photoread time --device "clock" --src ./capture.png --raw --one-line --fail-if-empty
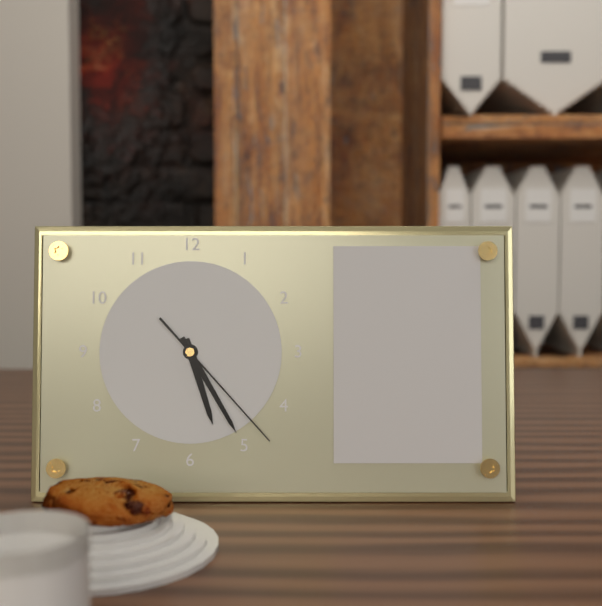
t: 5:25:23
